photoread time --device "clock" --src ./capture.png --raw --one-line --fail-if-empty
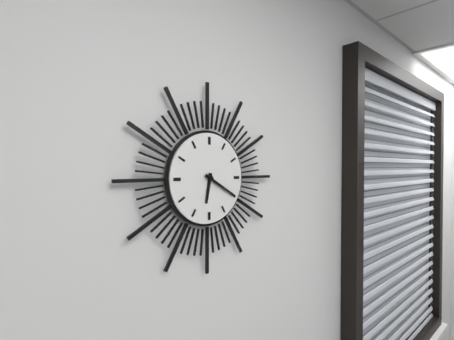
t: 6:20
